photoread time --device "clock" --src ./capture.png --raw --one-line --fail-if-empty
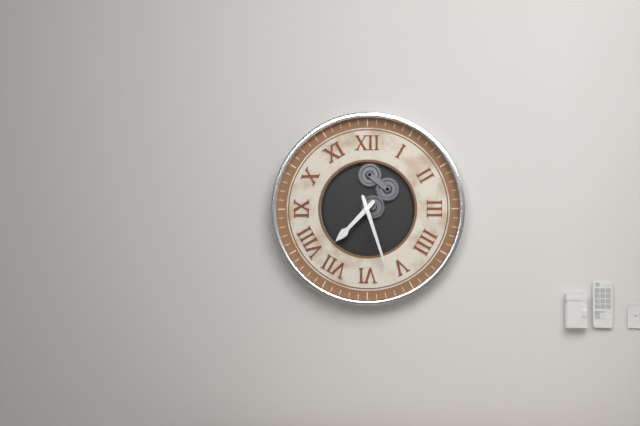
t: 7:27
